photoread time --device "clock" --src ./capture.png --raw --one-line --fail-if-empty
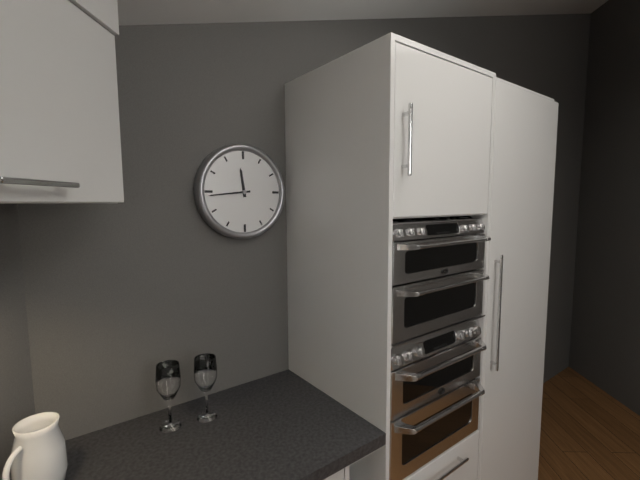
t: 11:44
